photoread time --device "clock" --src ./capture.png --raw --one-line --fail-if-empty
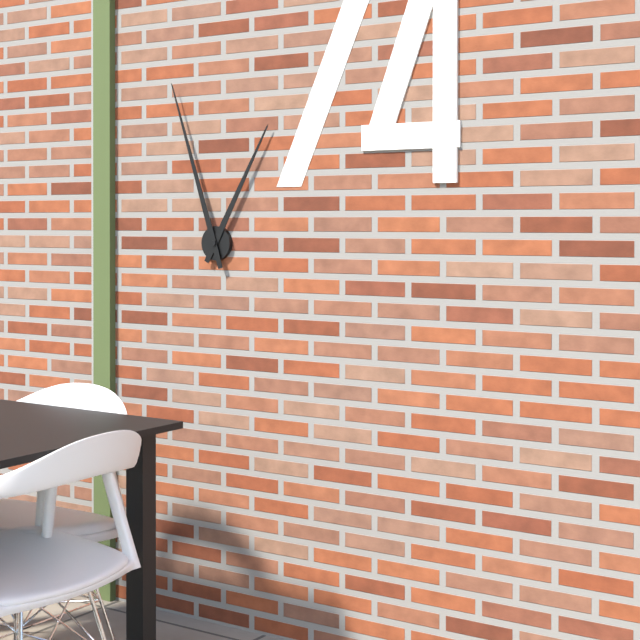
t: 12:57
